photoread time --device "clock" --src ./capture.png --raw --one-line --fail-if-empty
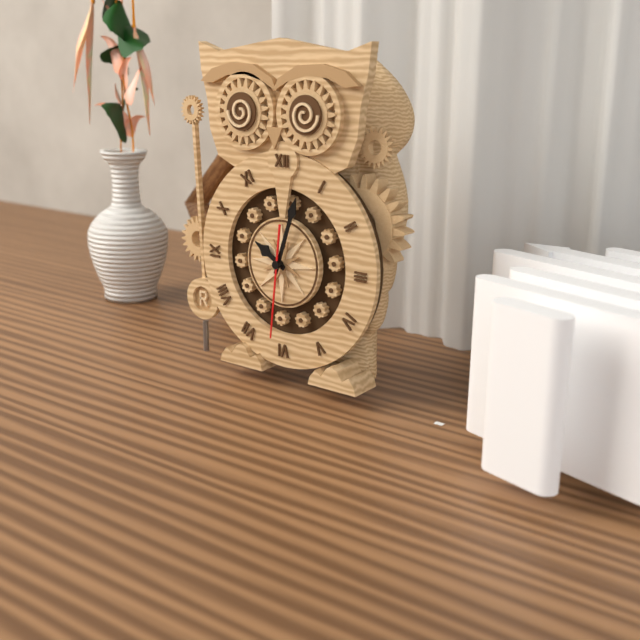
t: 10:03:31
